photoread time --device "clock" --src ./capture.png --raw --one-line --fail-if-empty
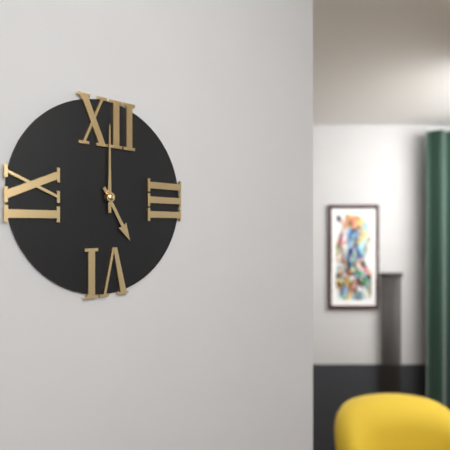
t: 5:00
